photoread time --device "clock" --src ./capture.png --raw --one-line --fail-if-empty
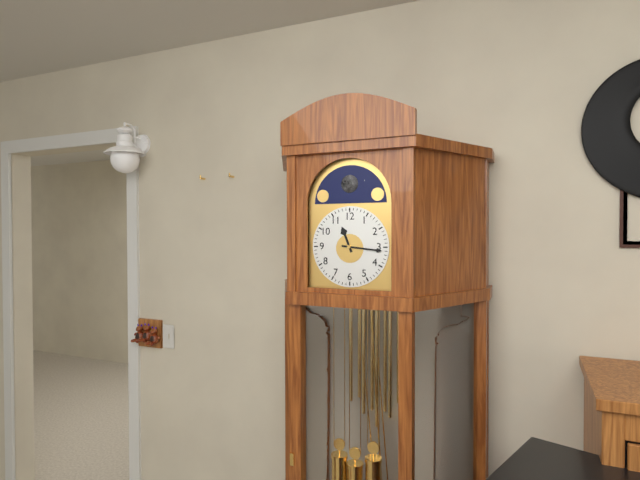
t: 11:16
